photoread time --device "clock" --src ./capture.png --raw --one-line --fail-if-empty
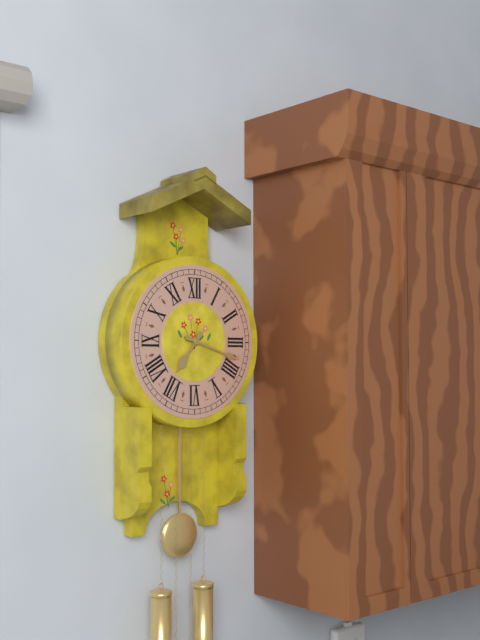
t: 7:18
